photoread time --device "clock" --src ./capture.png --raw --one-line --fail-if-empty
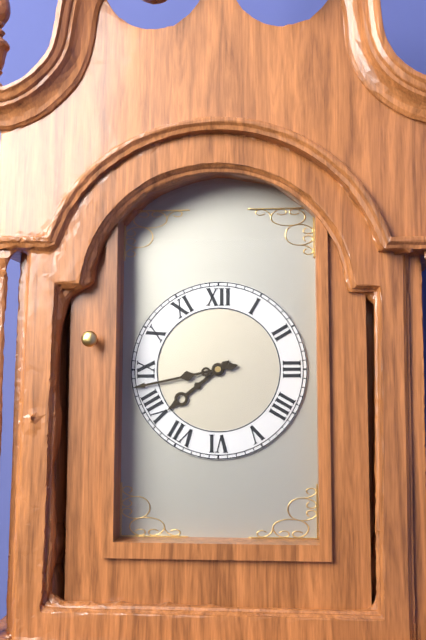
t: 7:43
